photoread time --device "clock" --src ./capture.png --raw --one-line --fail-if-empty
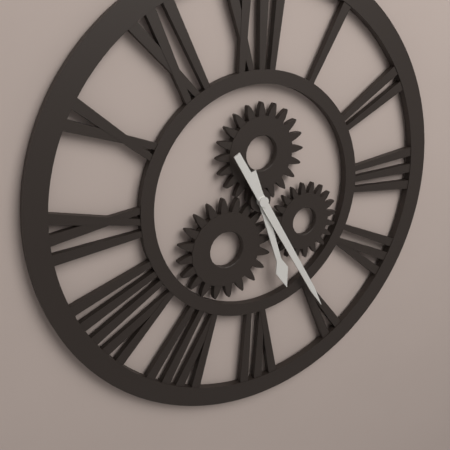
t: 5:25
